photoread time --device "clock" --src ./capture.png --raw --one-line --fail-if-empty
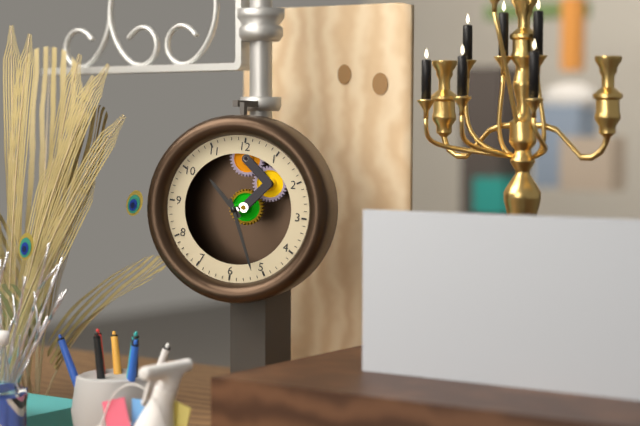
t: 10:26
